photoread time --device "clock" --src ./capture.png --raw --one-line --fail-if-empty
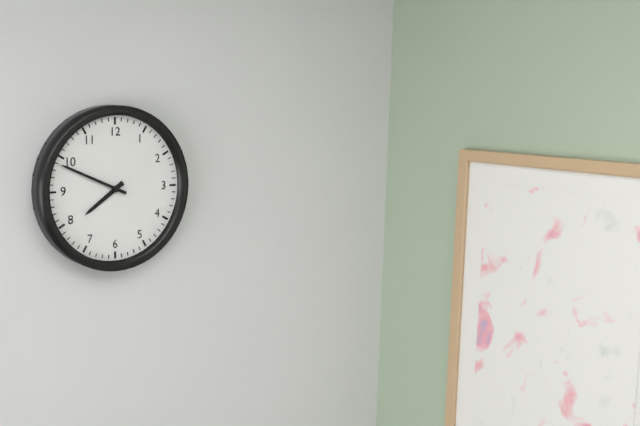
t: 7:49
